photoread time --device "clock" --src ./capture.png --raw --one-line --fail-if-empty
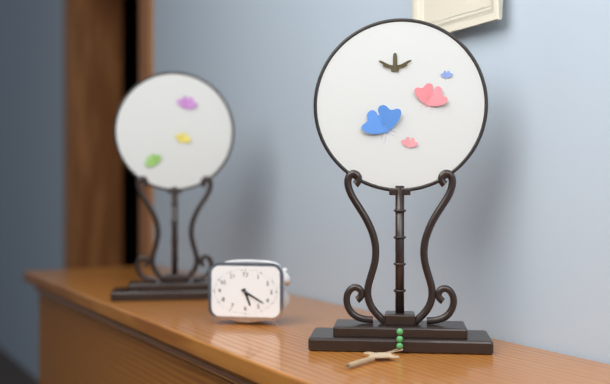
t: 5:20
